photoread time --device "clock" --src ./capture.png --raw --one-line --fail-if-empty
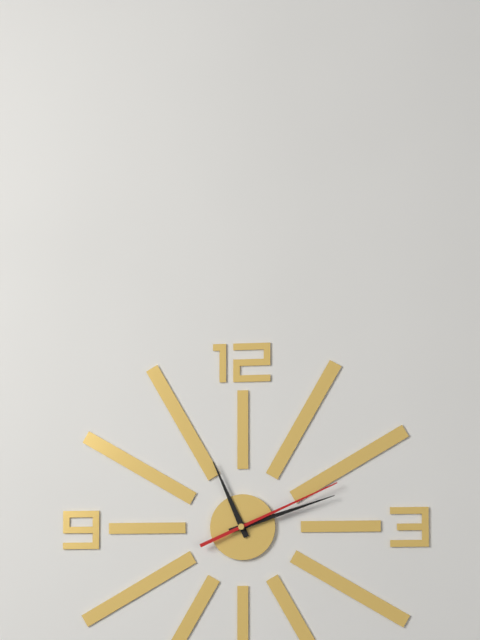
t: 11:12:11
